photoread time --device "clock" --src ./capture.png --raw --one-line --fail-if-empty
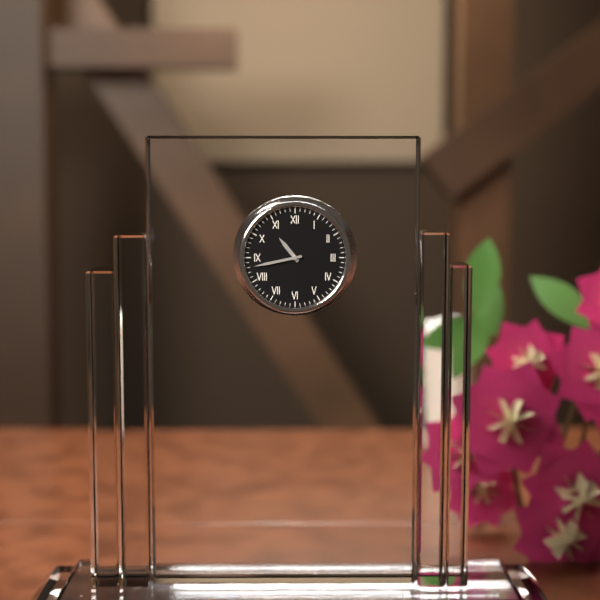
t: 10:43
